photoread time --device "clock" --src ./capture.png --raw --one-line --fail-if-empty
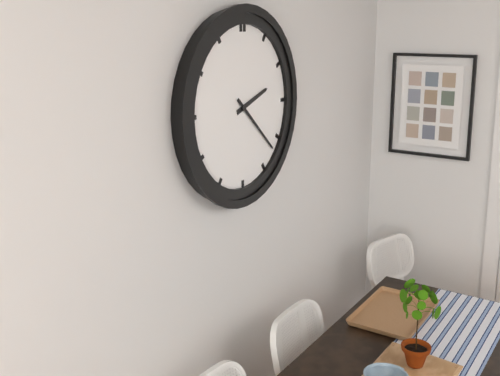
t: 2:22
